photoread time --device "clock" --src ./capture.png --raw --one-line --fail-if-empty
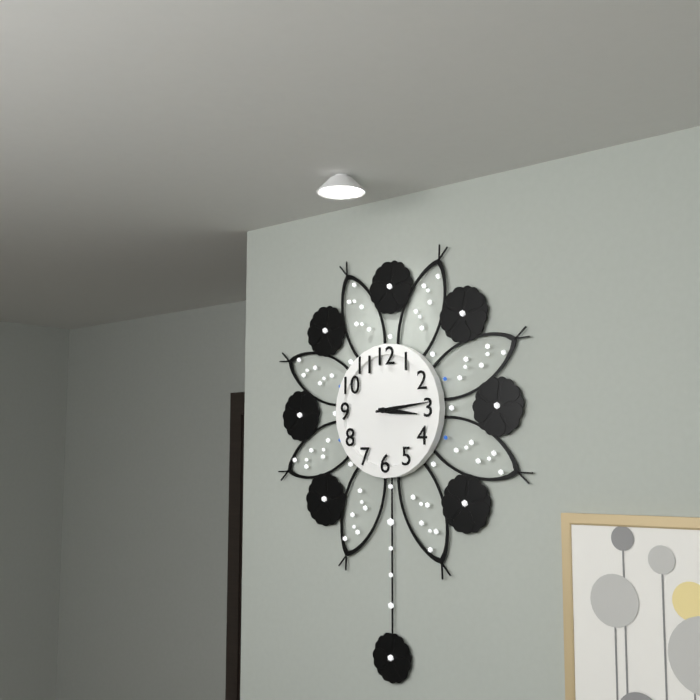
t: 3:14
